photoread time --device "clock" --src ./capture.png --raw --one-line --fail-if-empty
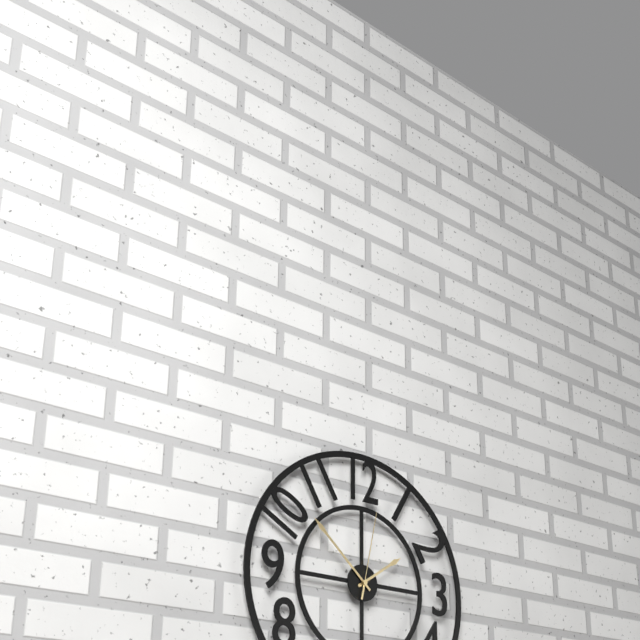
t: 1:52:02
